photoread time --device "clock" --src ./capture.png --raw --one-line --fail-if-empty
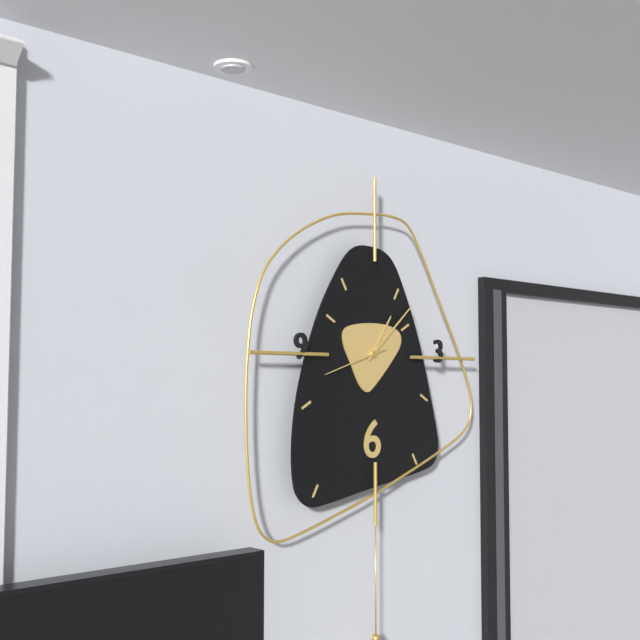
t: 1:08:42
